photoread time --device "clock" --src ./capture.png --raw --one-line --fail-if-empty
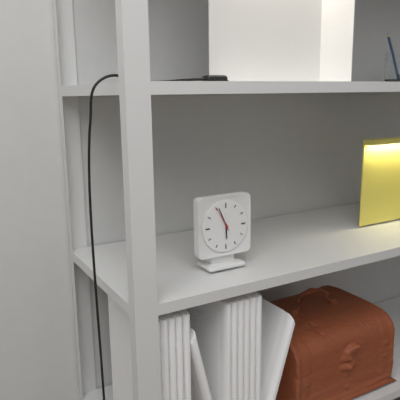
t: 5:56
